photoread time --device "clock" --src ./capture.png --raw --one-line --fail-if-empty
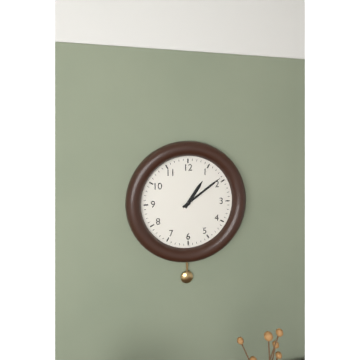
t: 1:09
